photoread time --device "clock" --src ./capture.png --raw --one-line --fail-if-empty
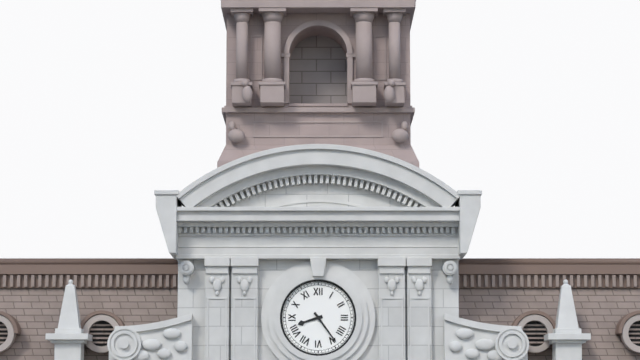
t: 8:24
